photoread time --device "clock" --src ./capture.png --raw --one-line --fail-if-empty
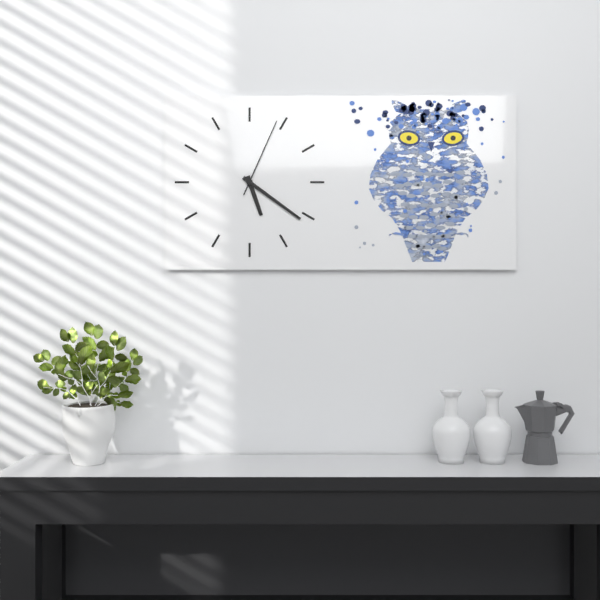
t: 5:21:04
